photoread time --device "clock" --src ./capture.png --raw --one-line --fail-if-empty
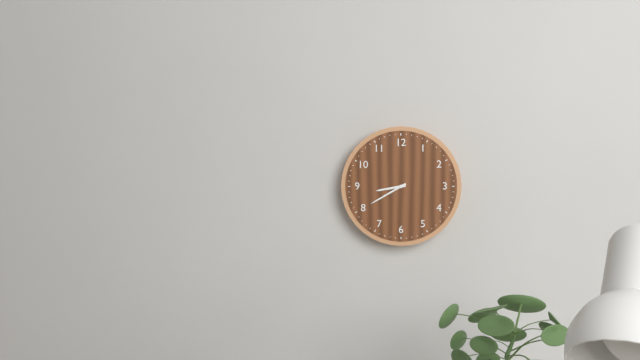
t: 8:40
